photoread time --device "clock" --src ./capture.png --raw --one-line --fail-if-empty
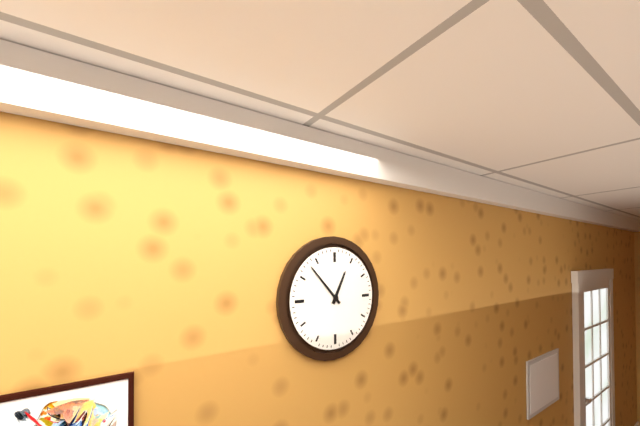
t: 12:53
